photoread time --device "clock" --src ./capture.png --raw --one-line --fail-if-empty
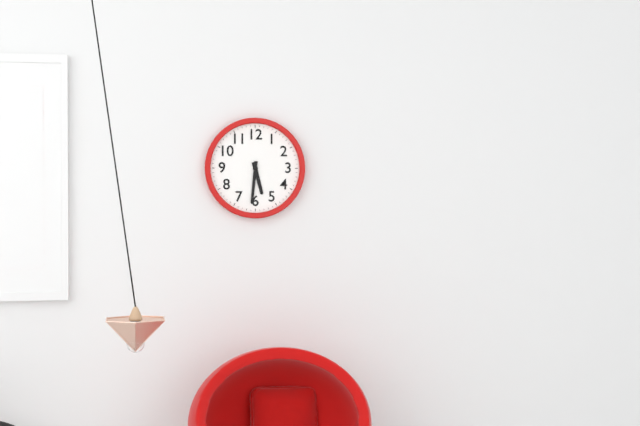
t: 5:31
